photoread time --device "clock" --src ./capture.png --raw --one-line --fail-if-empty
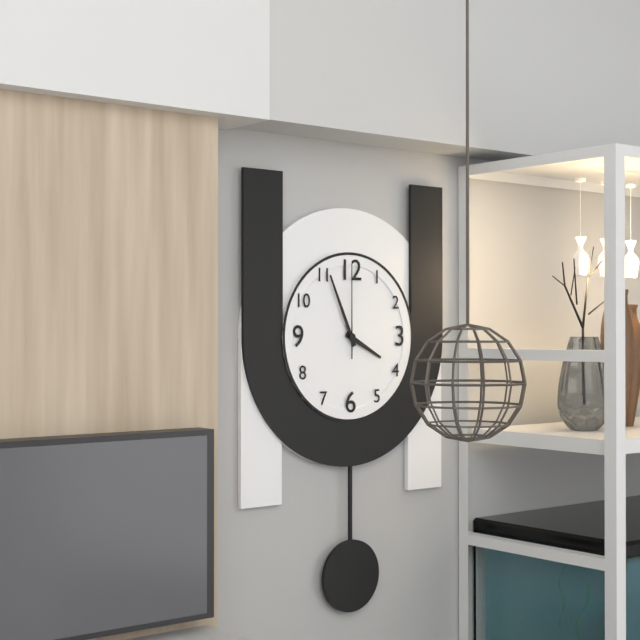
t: 3:56:00
